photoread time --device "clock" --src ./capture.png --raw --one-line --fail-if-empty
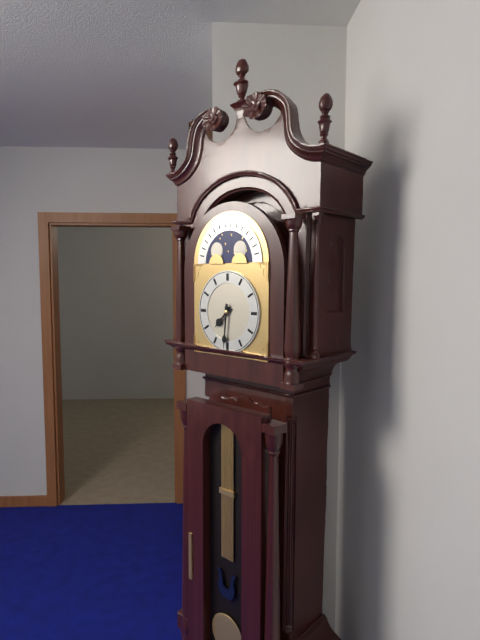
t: 7:31
